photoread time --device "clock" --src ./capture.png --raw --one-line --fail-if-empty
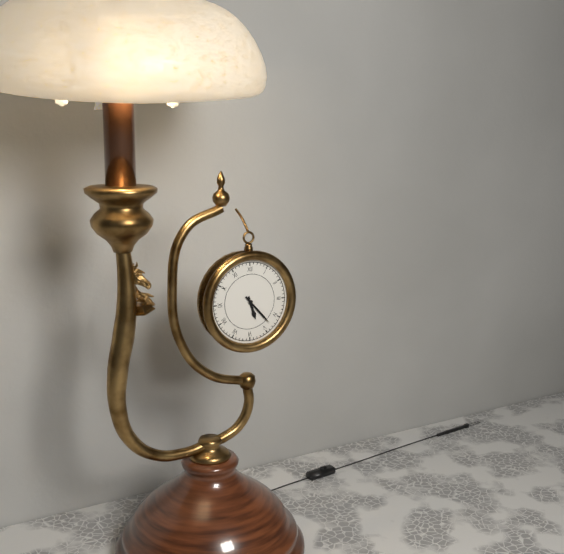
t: 5:23
